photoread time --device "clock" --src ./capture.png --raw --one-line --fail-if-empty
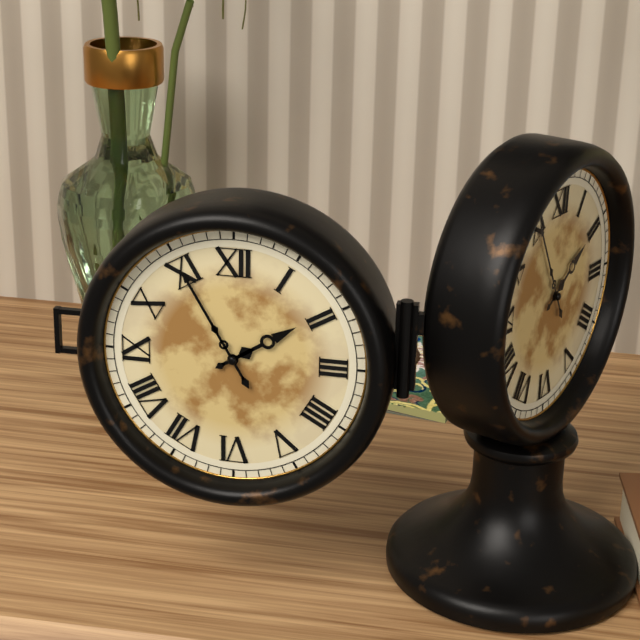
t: 1:55
